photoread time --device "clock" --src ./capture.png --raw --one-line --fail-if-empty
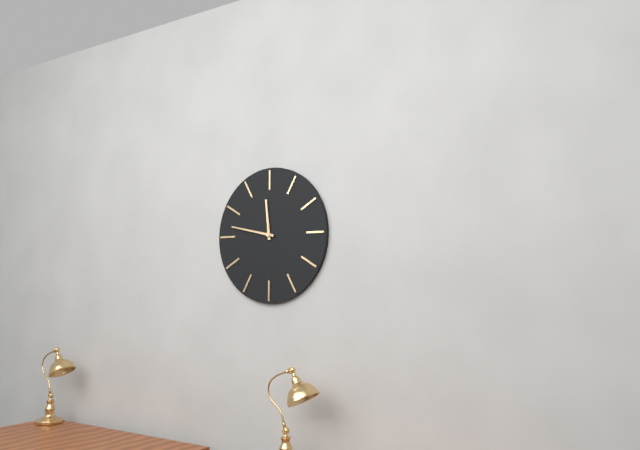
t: 11:47
